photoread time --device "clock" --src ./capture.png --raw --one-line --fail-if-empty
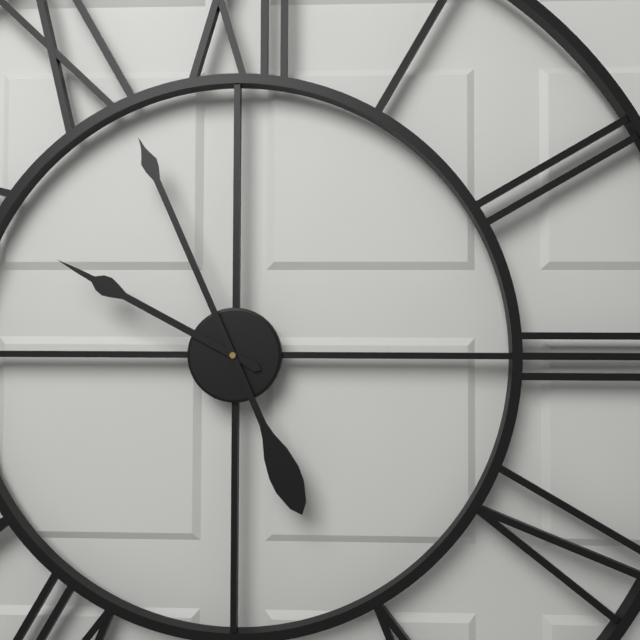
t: 9:56
